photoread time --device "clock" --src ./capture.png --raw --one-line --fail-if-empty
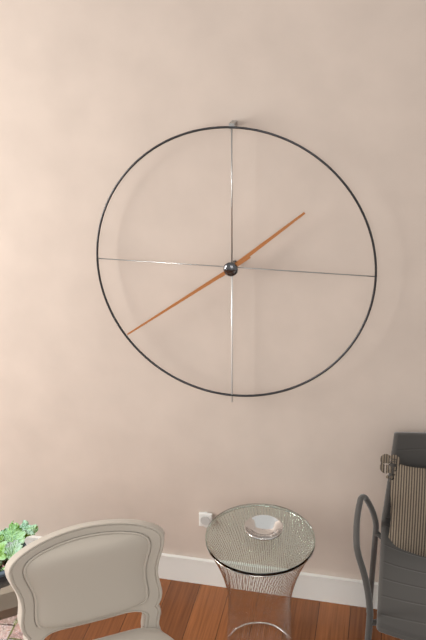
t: 1:39
